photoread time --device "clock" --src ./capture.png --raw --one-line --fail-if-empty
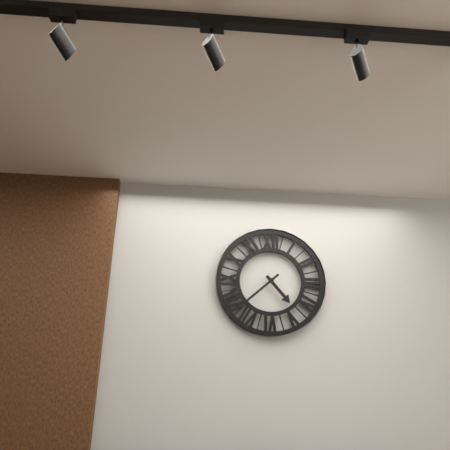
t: 4:38
